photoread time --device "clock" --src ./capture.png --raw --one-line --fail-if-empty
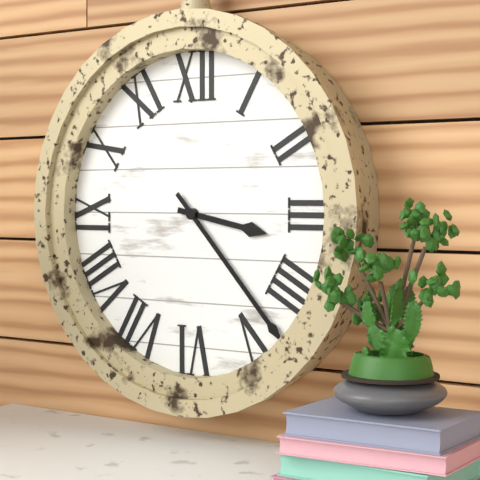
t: 3:23
